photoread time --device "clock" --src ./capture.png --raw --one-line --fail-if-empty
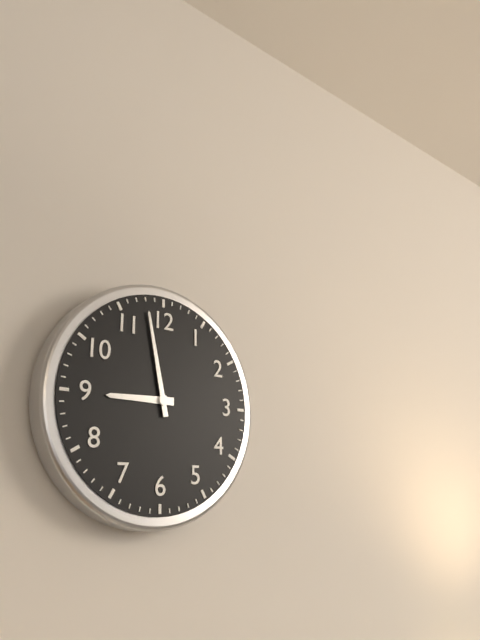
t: 8:58
